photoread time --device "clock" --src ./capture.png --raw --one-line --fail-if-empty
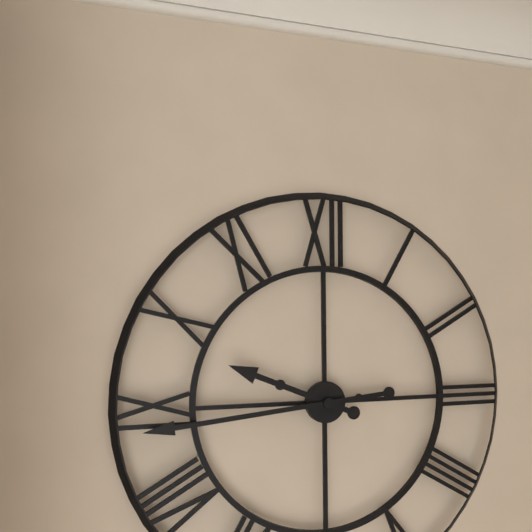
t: 9:44
